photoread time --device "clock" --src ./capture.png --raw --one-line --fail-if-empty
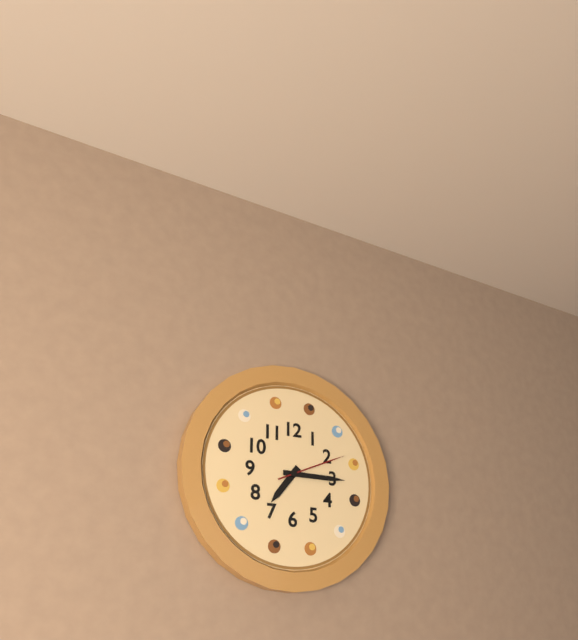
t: 7:15:11
